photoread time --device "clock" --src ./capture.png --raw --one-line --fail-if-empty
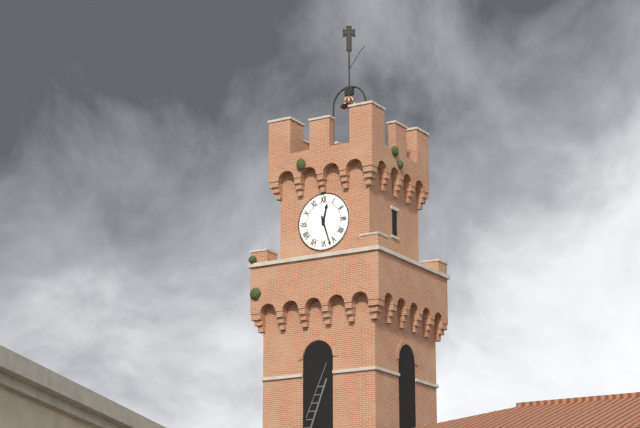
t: 12:27
